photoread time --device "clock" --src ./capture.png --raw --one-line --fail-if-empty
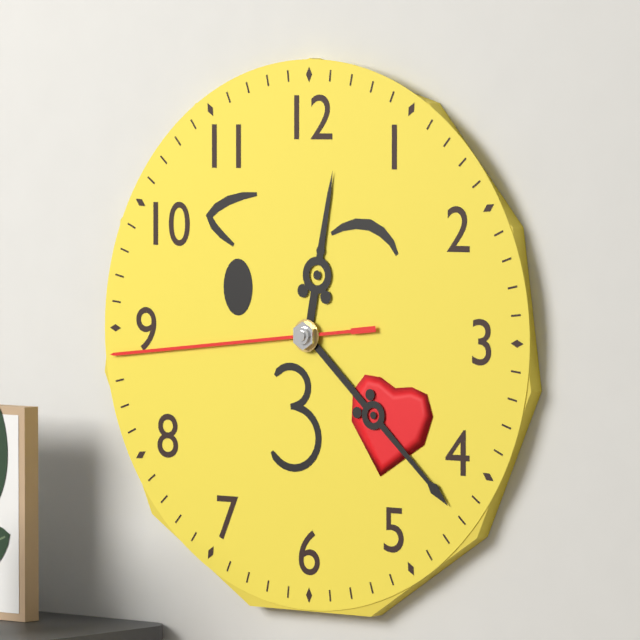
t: 12:22:44
